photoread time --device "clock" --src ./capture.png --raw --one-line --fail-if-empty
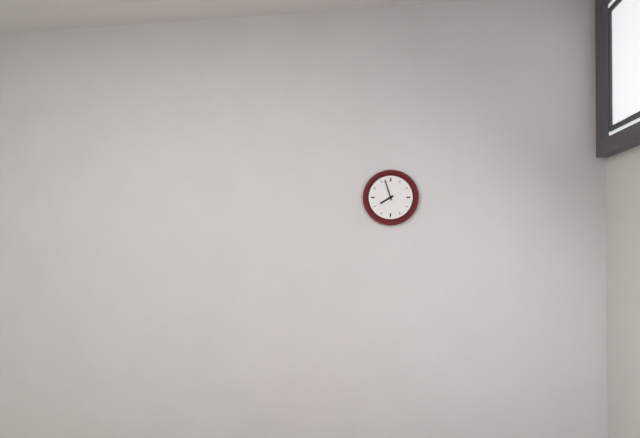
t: 7:57
